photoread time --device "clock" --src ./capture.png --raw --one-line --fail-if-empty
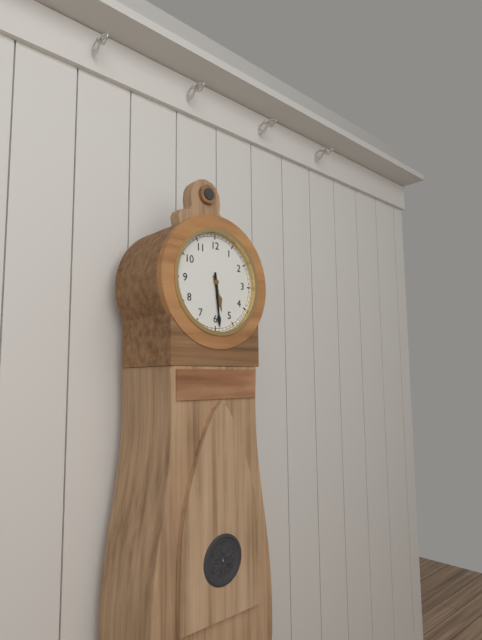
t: 5:29
